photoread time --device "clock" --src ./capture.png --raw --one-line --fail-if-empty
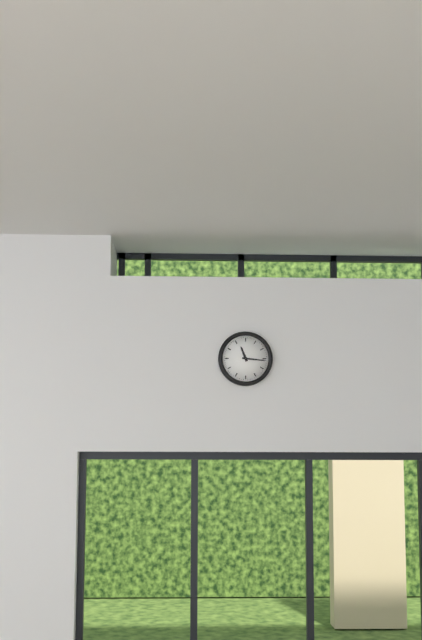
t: 11:16
